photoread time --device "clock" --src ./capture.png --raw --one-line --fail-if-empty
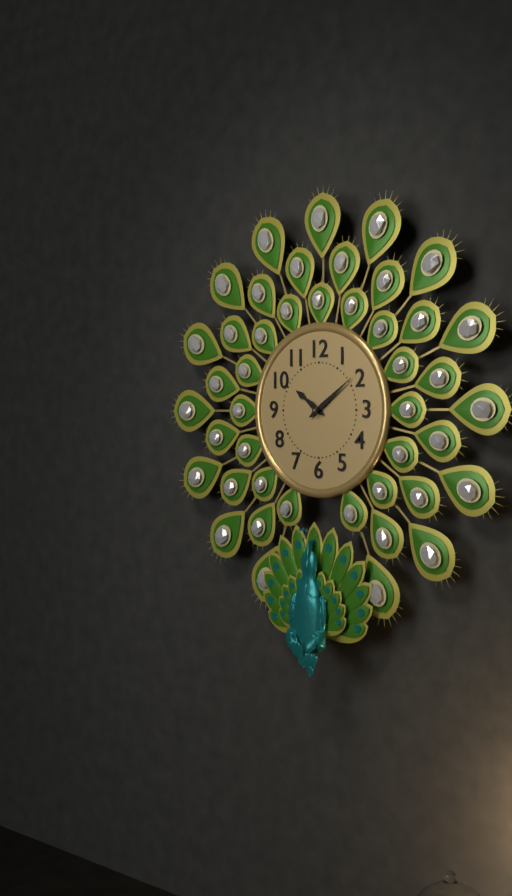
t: 10:09
